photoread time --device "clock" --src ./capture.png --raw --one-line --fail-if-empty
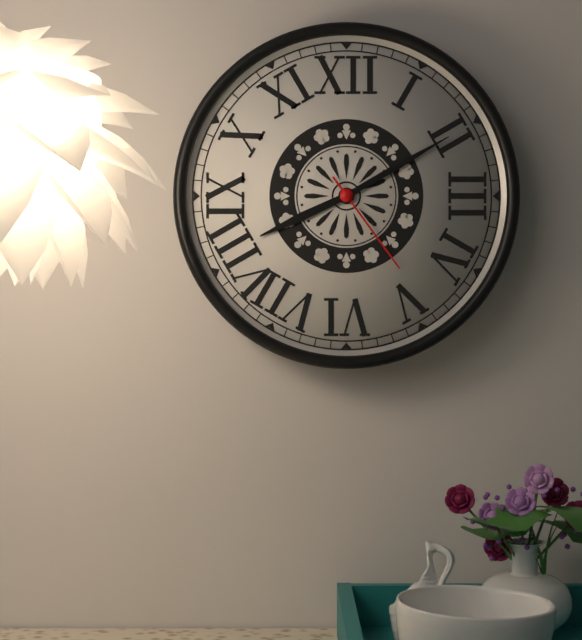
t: 8:10:24
